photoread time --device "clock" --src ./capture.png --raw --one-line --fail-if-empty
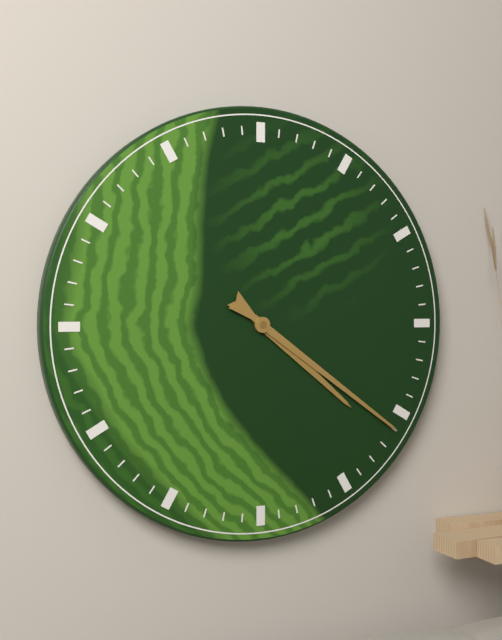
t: 4:21
